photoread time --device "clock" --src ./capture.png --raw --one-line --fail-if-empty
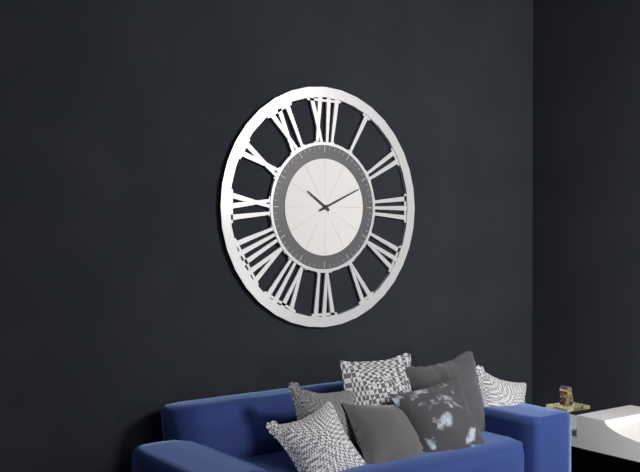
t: 10:11
